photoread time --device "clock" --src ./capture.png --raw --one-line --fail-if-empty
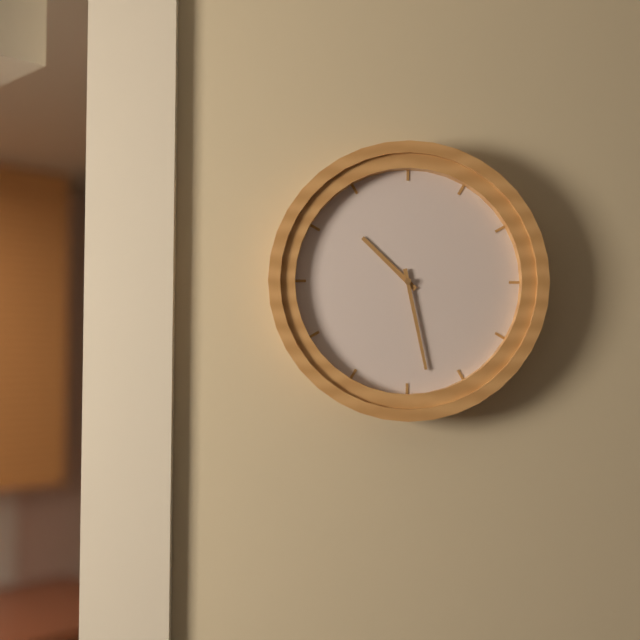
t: 10:28
